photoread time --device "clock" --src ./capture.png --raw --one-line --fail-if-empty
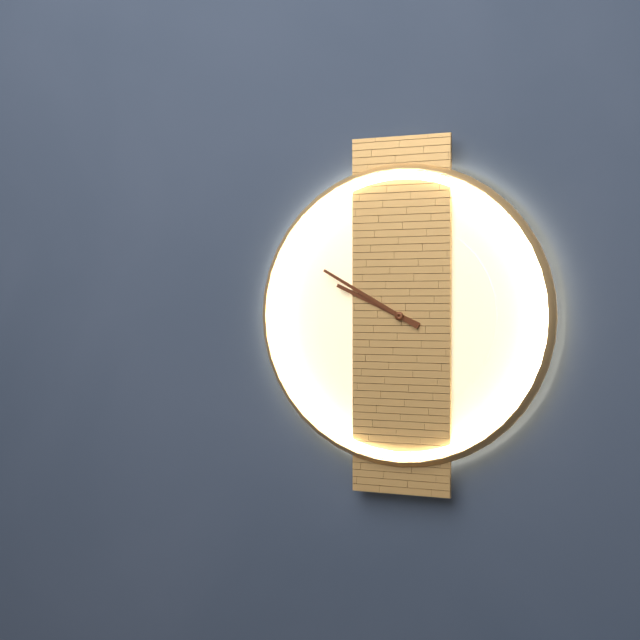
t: 9:50
